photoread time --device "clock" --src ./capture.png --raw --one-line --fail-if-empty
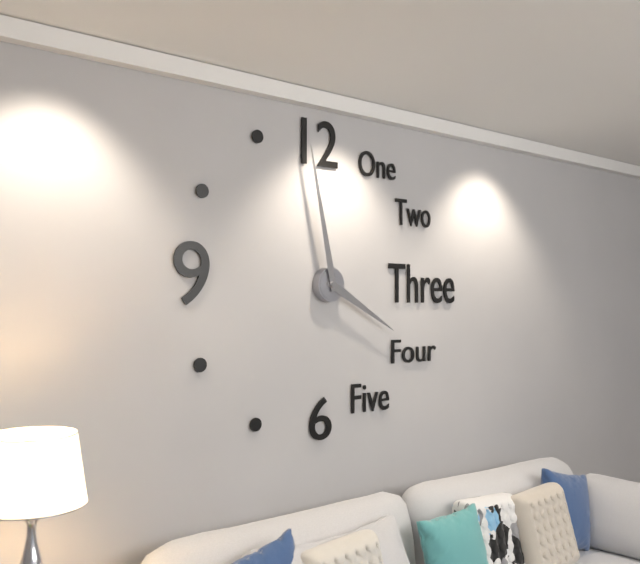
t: 3:58
